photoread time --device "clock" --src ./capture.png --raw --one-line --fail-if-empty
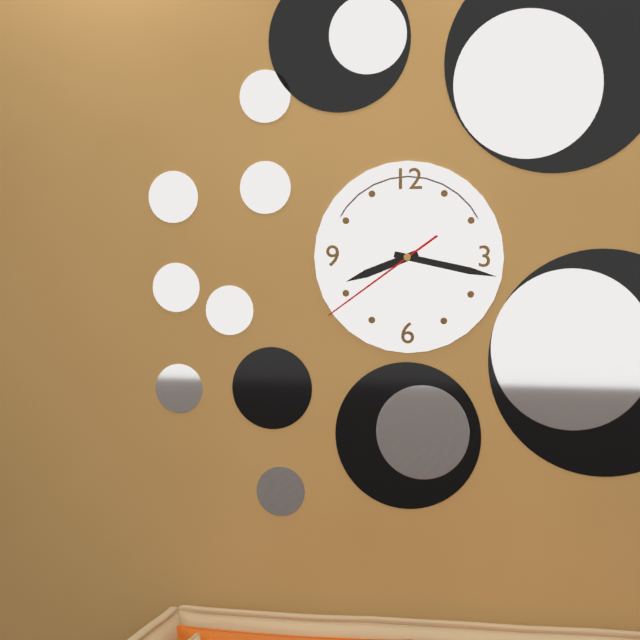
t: 8:17:39
